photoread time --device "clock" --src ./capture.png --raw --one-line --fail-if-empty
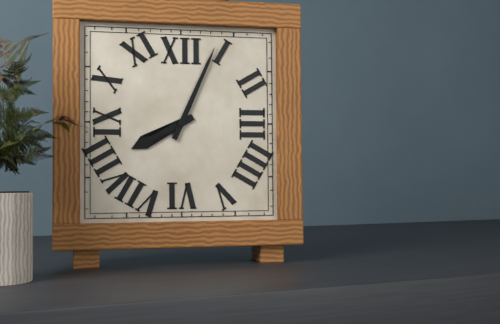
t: 8:04
